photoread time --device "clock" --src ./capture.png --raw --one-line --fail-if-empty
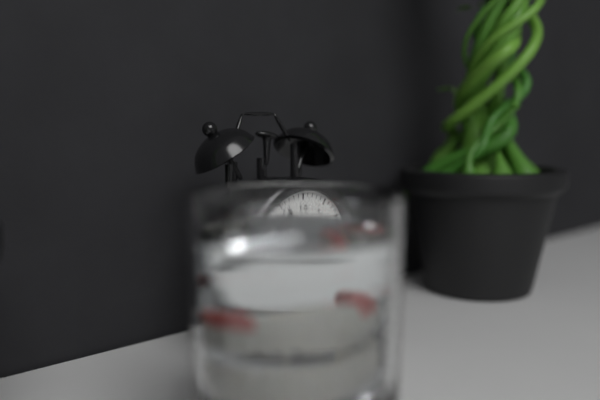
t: 3:56
